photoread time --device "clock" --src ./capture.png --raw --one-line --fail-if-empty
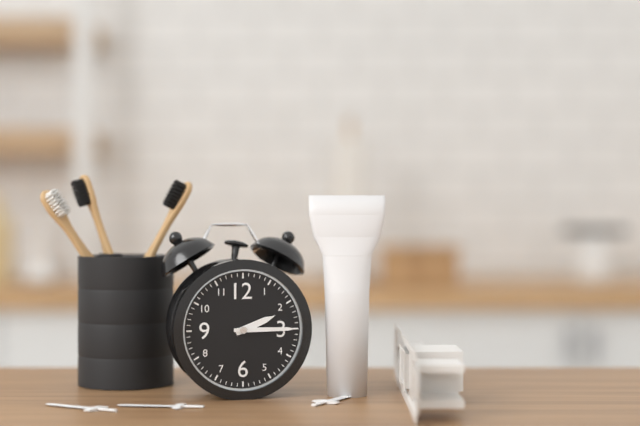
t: 2:15
